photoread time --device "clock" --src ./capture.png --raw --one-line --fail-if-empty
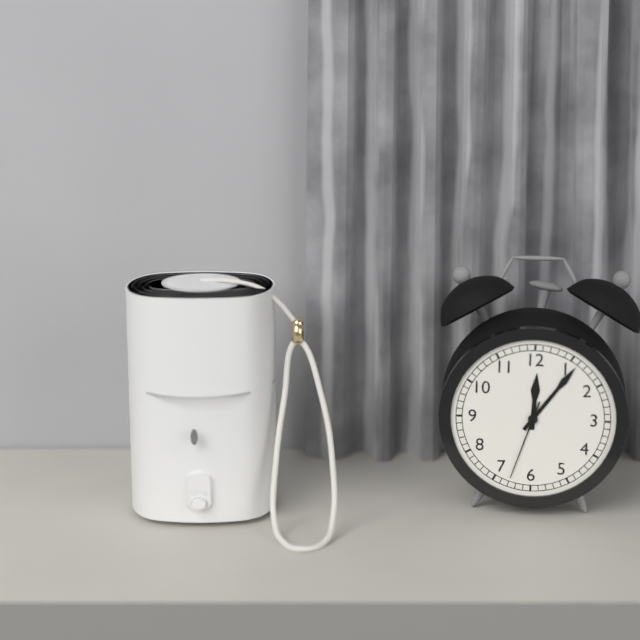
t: 12:06:33
